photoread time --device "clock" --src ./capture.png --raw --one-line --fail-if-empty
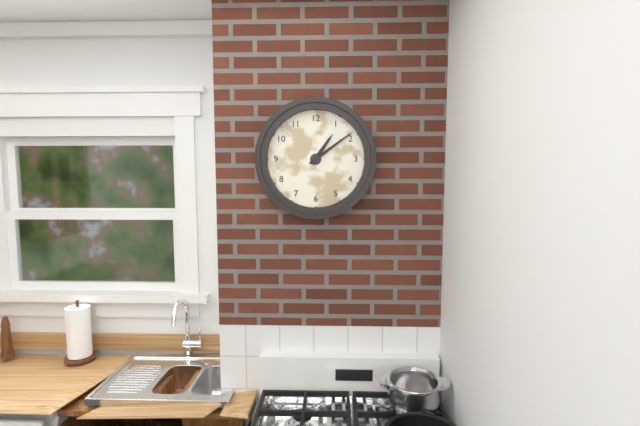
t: 1:09
